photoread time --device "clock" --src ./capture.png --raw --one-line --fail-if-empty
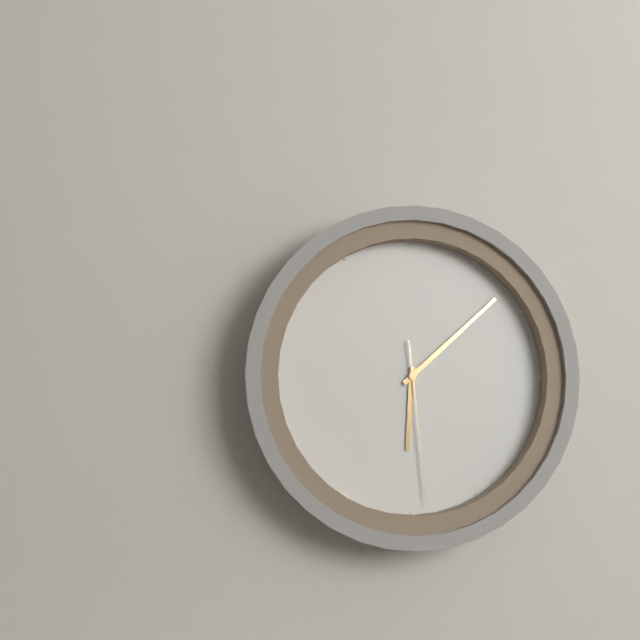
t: 6:08:29
